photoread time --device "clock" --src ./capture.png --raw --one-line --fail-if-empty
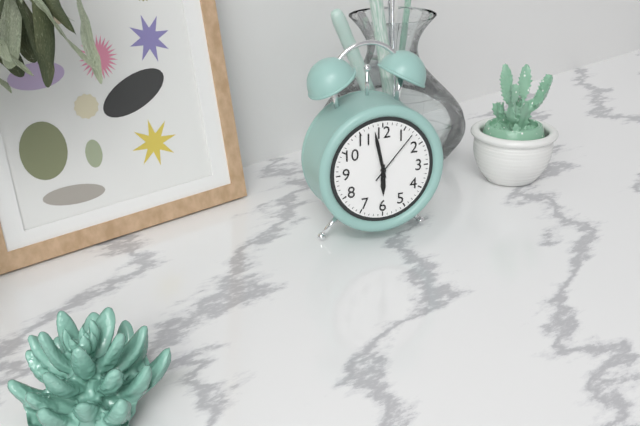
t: 5:58:07
